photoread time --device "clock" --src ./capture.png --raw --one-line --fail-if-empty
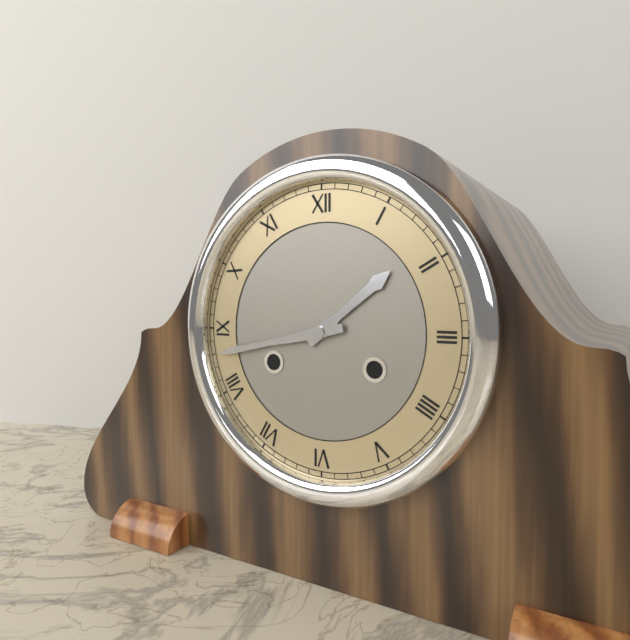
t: 1:43
